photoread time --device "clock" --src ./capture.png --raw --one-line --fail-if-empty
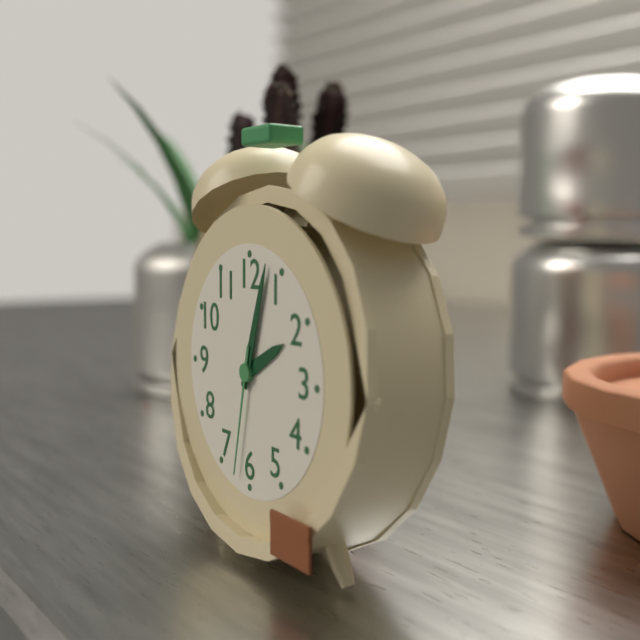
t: 2:03:32
